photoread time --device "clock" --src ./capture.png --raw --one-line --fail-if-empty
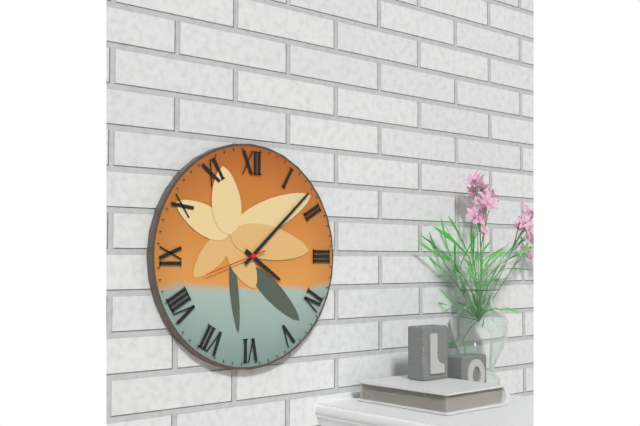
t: 4:08:42
